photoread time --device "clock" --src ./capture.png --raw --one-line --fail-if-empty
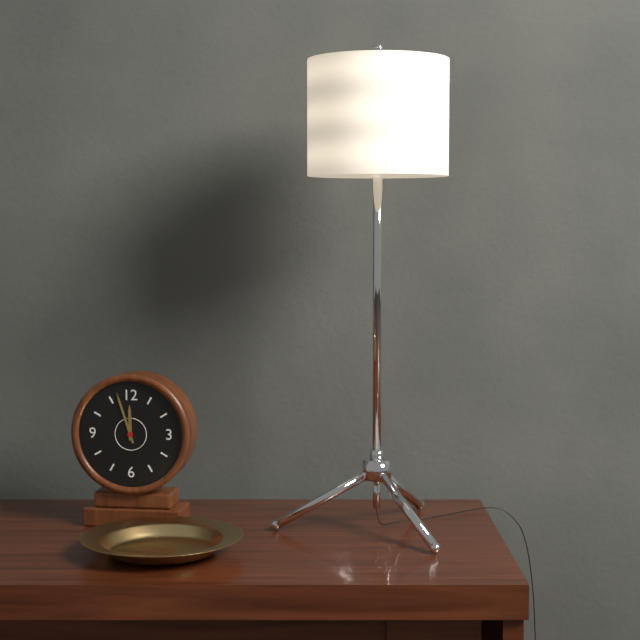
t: 11:57
